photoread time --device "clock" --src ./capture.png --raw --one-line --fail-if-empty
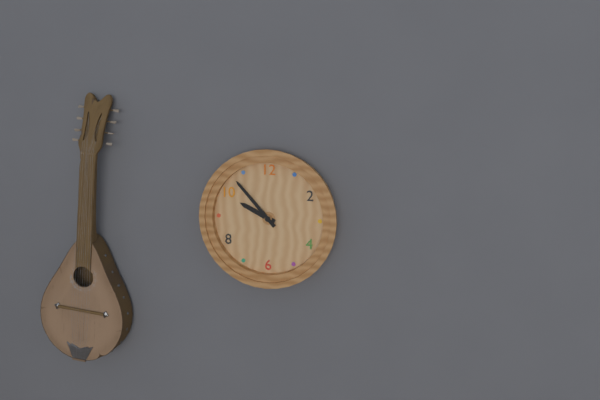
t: 9:53
